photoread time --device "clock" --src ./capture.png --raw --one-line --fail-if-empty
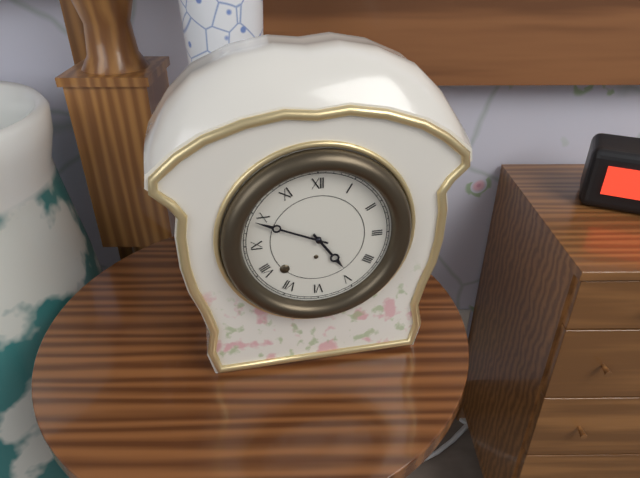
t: 4:49
